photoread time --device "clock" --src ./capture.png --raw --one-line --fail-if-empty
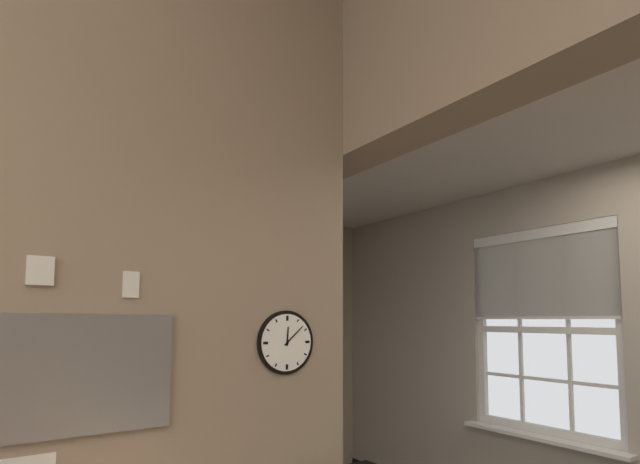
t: 12:08
